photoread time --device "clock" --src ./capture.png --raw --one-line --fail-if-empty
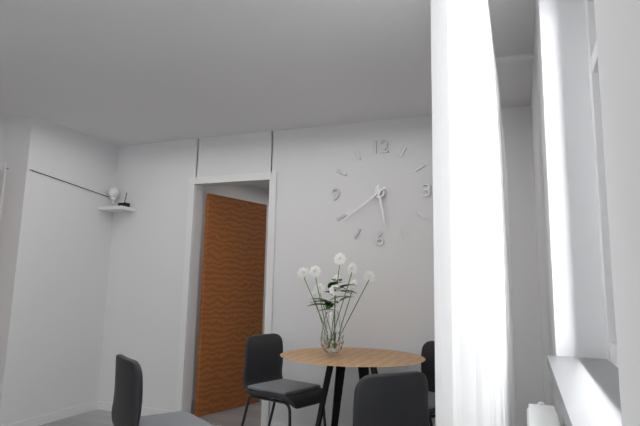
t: 5:39
